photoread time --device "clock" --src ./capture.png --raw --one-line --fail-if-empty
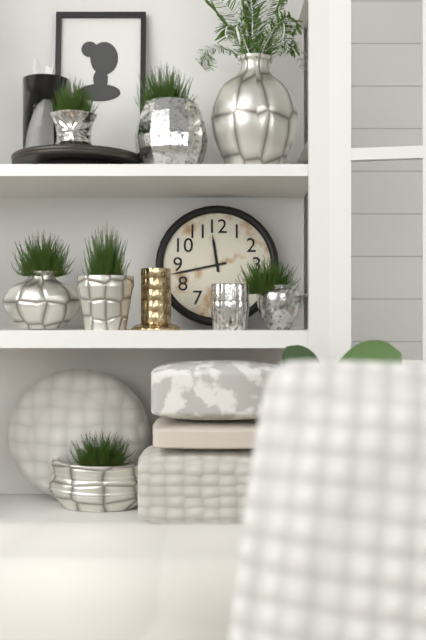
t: 11:43
